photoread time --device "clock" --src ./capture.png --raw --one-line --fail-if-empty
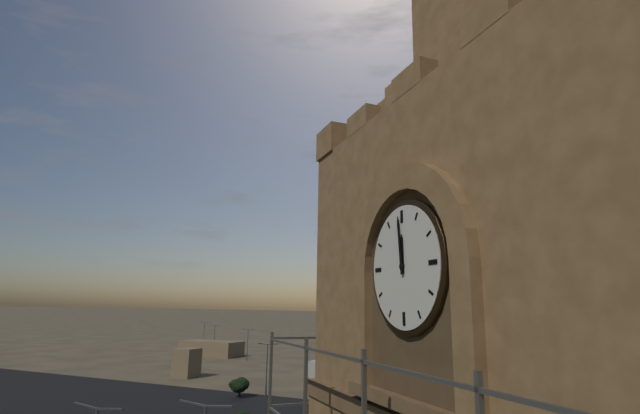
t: 11:59
